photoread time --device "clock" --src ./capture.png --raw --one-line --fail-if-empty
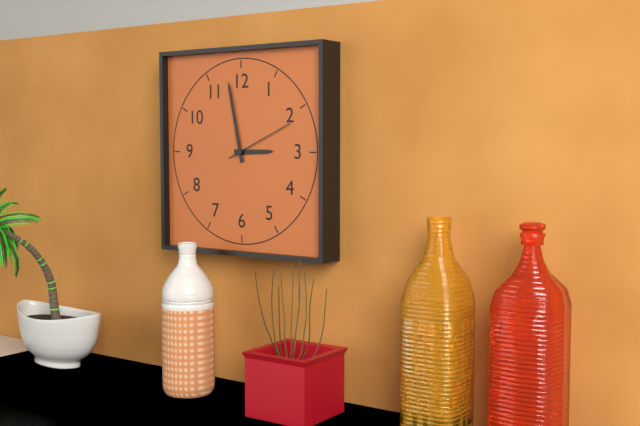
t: 2:58:11
